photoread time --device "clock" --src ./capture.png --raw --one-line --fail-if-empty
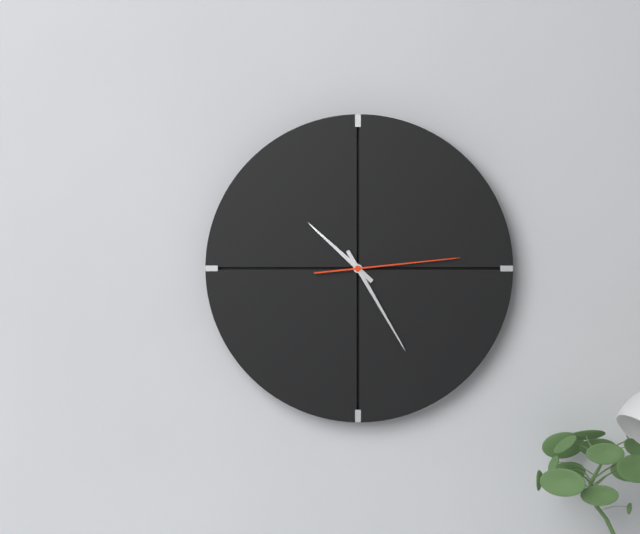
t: 10:25:14
